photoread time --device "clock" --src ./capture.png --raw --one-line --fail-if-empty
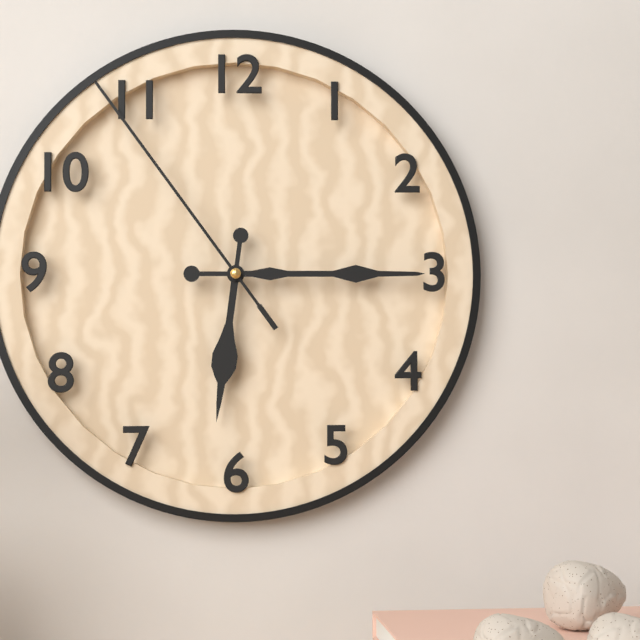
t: 6:15:54
